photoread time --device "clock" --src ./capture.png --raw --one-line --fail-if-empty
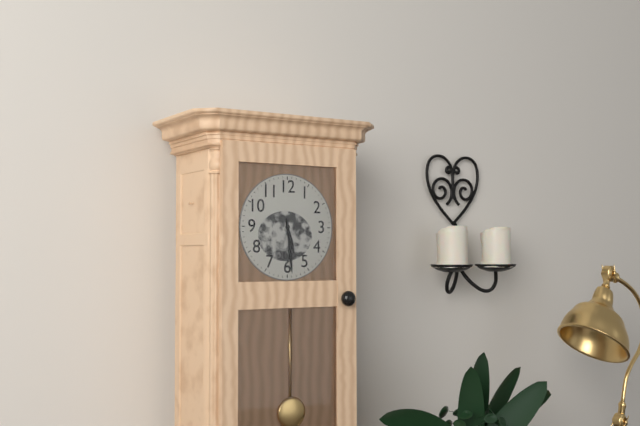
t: 5:29
